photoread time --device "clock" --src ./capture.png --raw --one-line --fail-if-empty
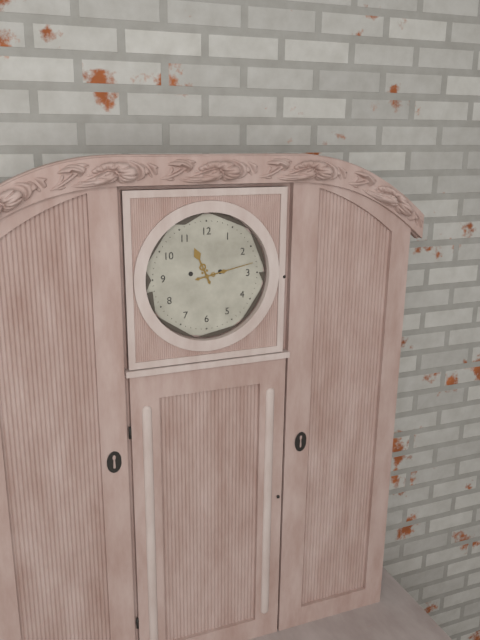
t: 11:13
